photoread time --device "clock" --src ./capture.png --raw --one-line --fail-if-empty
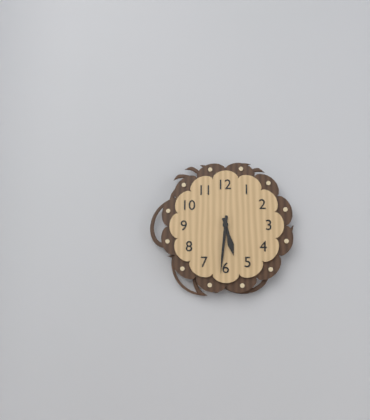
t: 5:31
